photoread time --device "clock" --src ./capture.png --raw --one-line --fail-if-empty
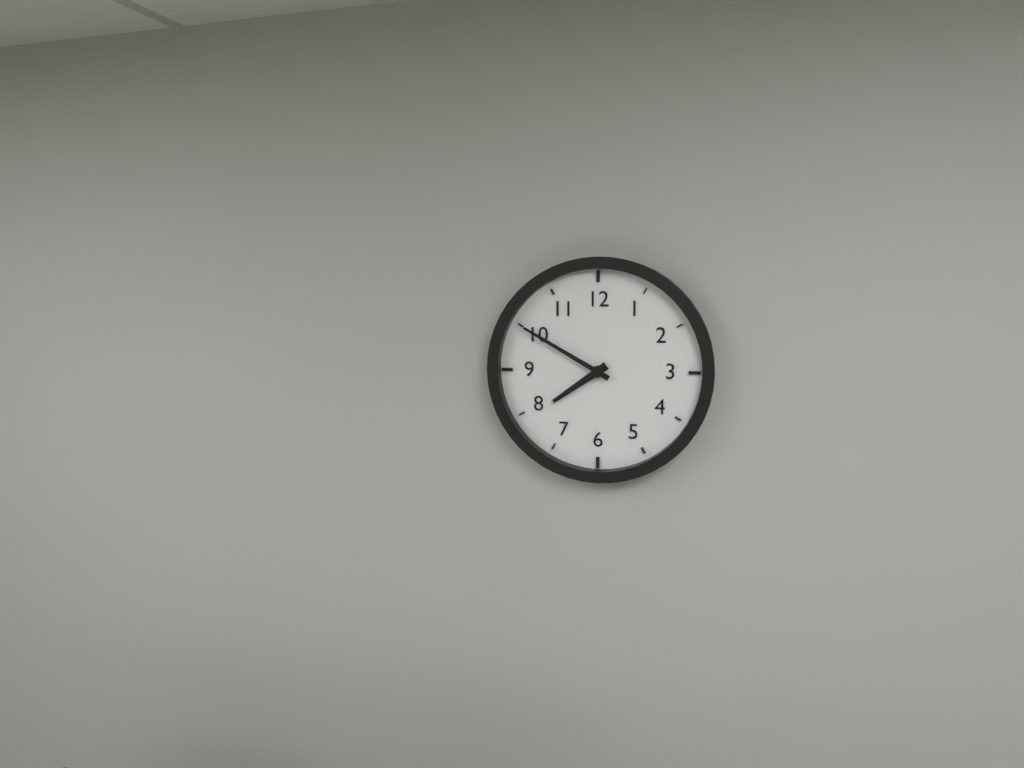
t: 7:50
